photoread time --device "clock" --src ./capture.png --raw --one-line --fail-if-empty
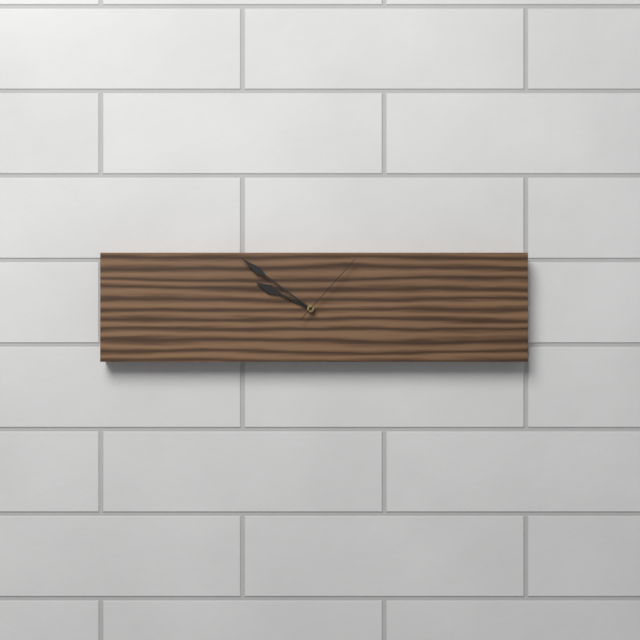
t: 9:51:07
